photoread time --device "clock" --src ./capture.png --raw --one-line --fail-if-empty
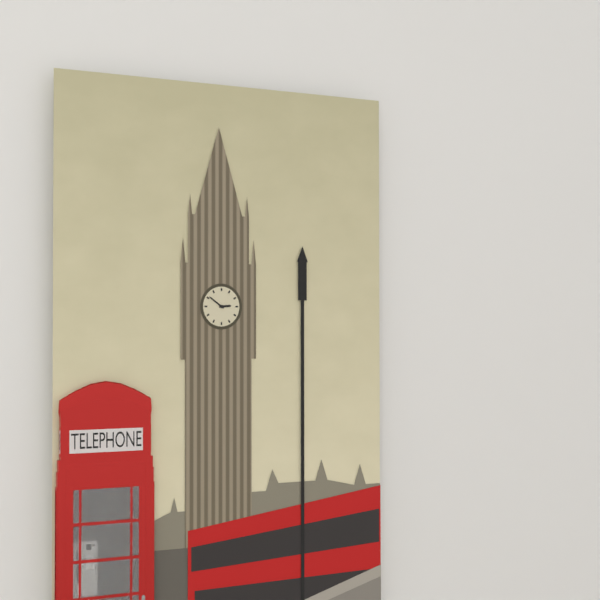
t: 2:51
